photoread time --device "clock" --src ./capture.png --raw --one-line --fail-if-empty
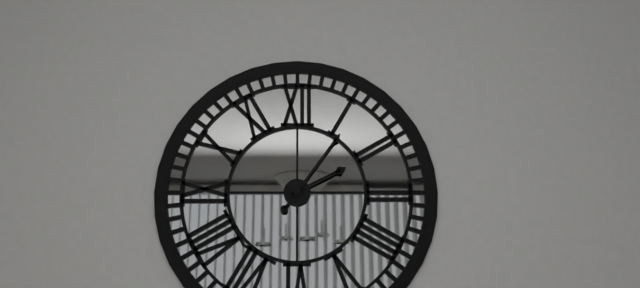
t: 2:06
